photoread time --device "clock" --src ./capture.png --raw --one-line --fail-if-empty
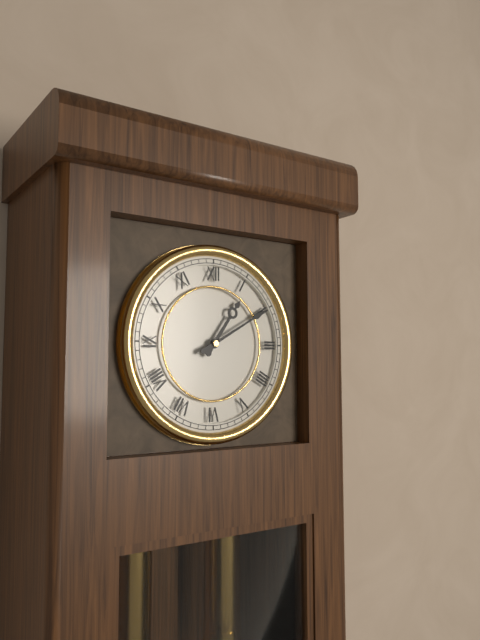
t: 1:10
